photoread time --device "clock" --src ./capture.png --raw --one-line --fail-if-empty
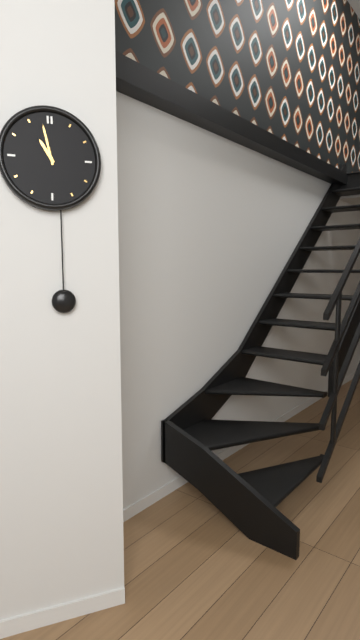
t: 10:58
